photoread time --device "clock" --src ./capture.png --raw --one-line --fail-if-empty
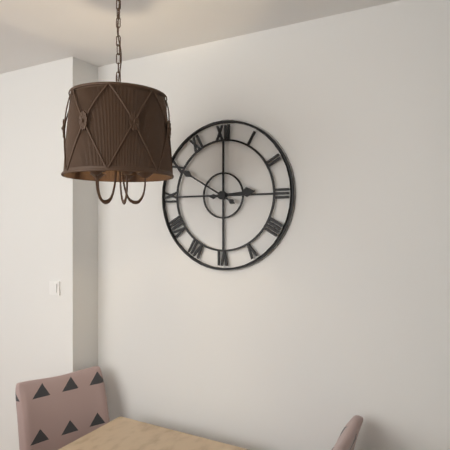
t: 2:50
